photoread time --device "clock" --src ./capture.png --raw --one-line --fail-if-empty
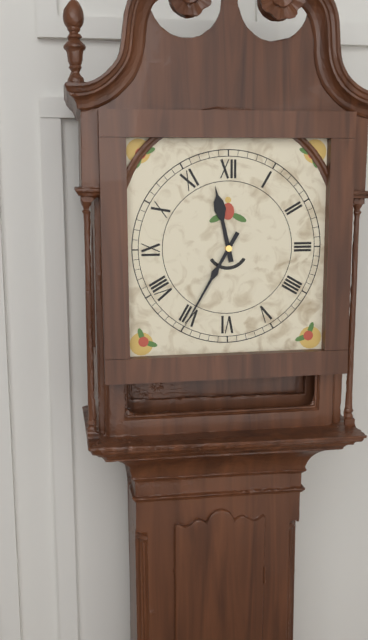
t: 11:35
